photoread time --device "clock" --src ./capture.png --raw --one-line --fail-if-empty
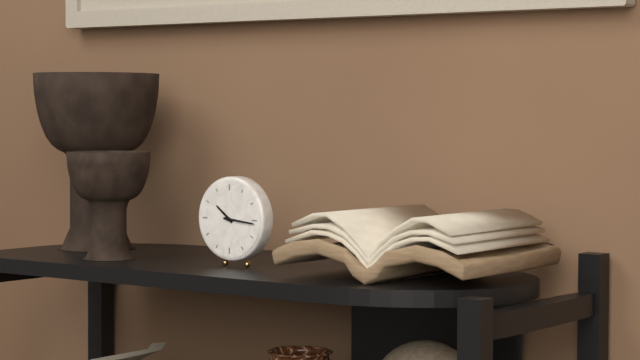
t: 10:16
